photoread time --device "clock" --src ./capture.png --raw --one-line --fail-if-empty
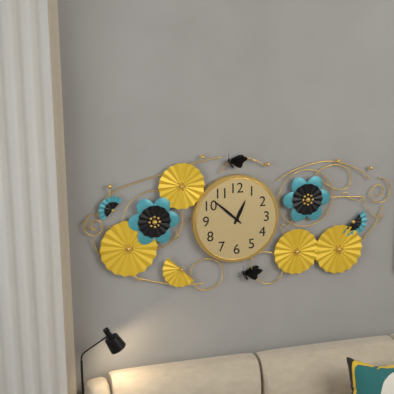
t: 12:52
